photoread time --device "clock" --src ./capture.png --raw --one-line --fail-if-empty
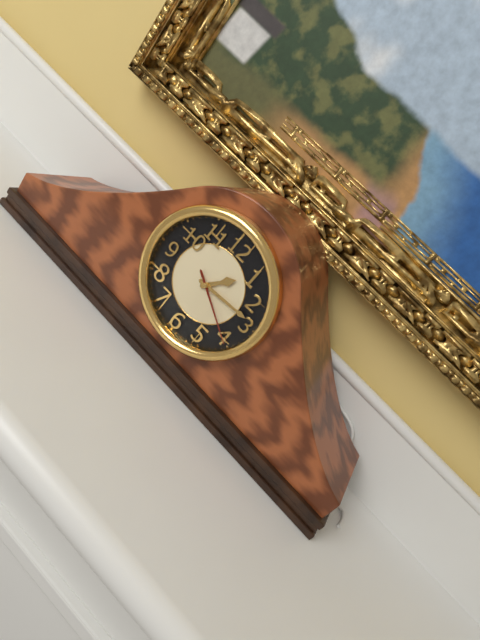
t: 1:14:20
